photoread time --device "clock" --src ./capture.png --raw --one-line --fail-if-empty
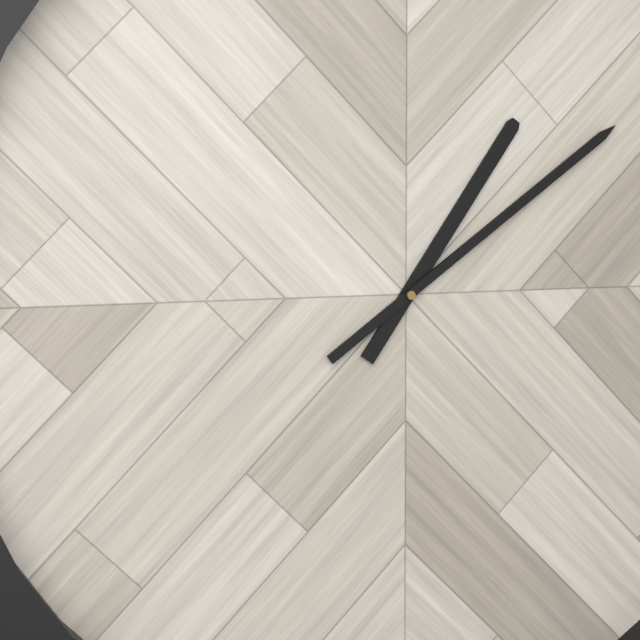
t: 1:09
